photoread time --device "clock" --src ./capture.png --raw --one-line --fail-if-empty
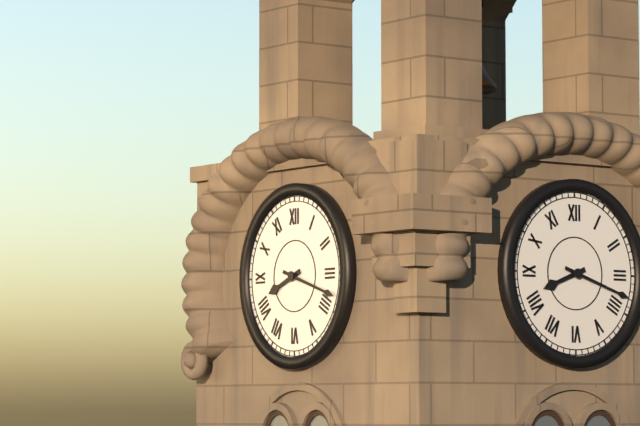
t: 8:18
